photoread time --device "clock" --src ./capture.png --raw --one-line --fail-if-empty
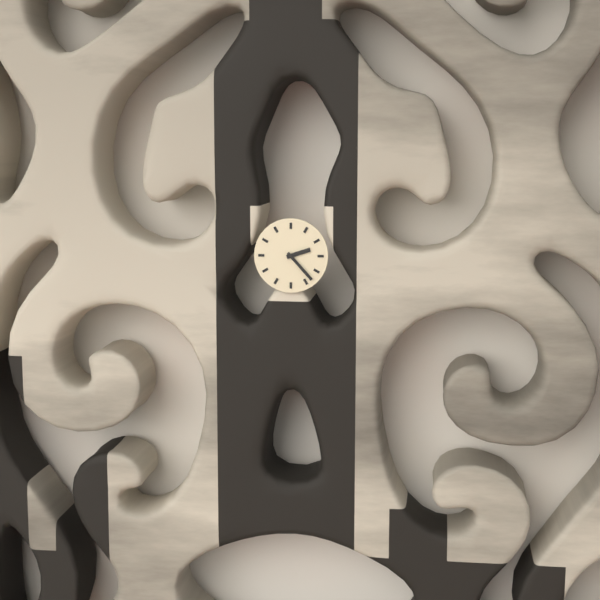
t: 2:23
